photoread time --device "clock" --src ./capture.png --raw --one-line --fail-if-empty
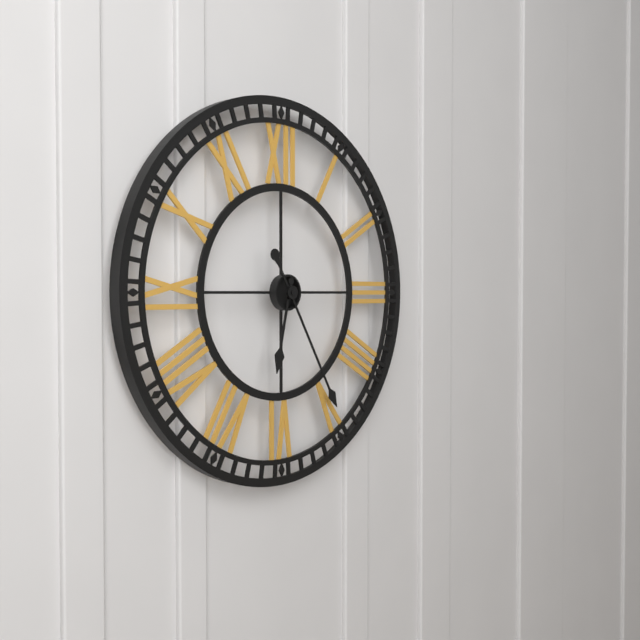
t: 6:25
